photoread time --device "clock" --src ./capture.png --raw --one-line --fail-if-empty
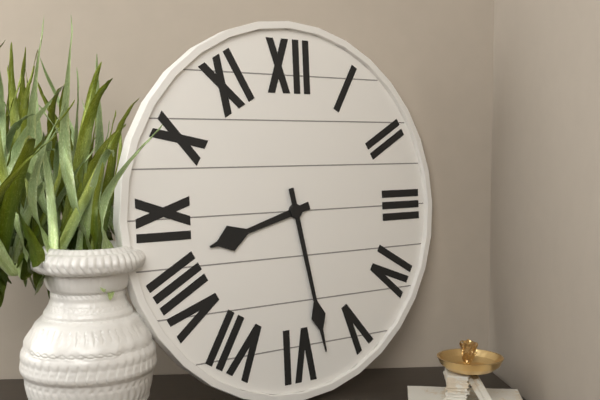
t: 8:28
